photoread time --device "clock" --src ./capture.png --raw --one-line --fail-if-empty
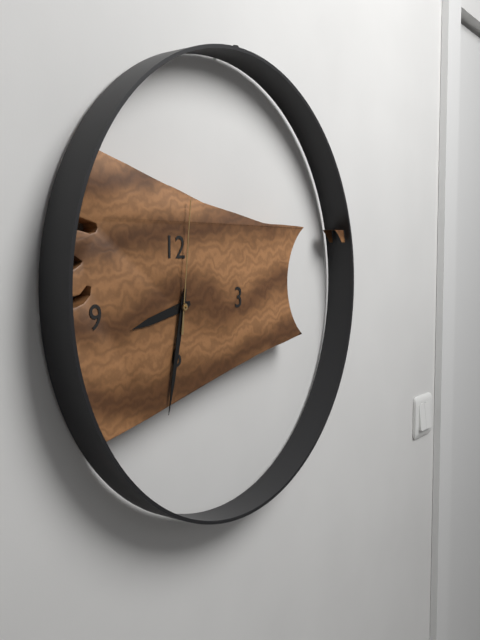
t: 8:32:01
